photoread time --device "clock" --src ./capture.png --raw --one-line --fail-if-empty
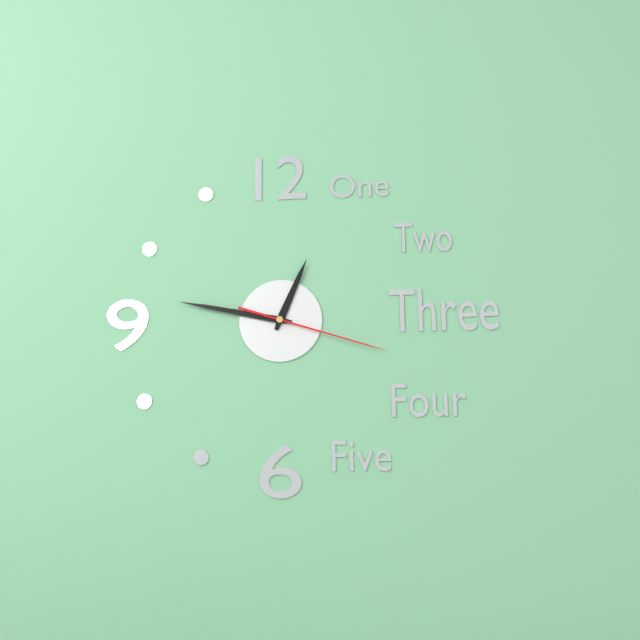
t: 12:47:18
